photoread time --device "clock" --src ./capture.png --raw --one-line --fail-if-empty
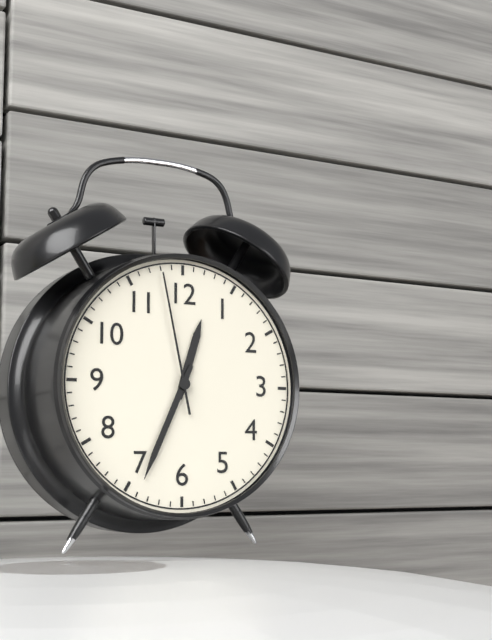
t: 12:34:58
